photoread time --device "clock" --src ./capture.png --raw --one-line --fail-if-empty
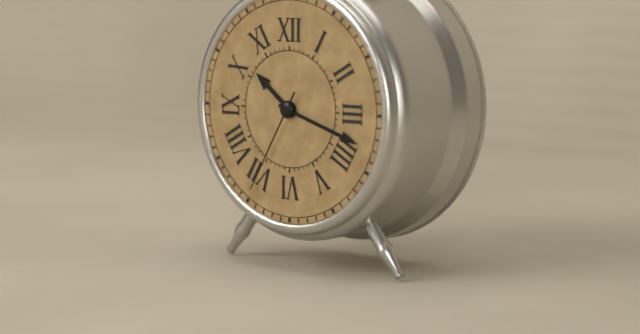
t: 10:18:35
